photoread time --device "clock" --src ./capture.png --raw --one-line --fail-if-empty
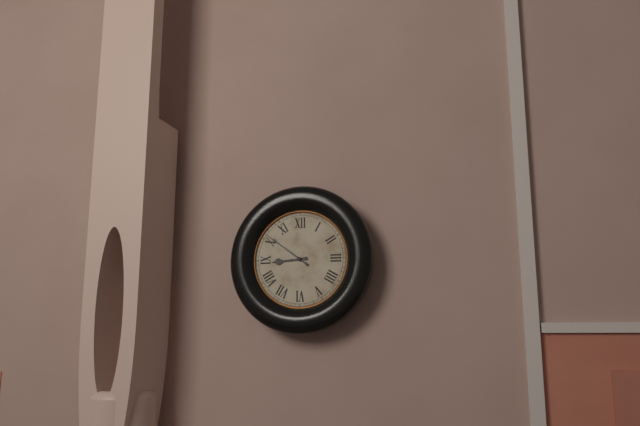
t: 8:51
